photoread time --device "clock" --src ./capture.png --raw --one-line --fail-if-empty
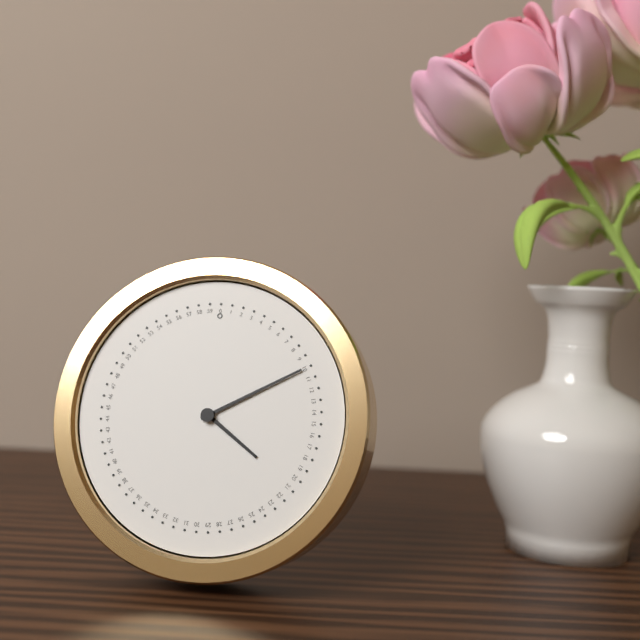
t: 4:10
